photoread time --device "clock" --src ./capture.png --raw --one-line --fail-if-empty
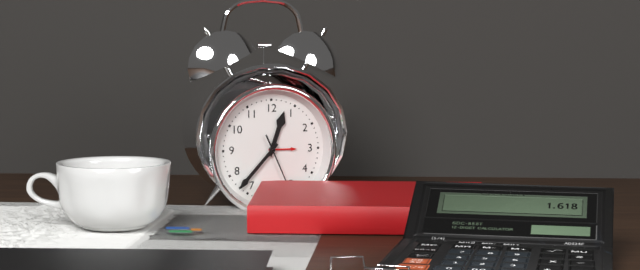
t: 12:37
